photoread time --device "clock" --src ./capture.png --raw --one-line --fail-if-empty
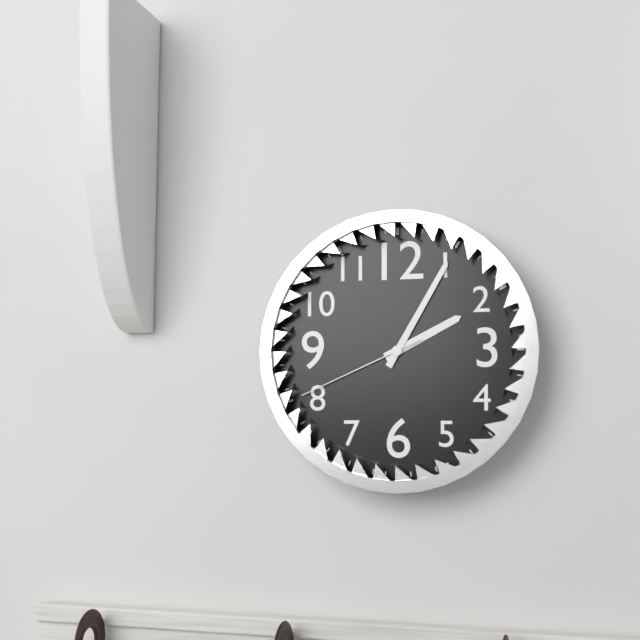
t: 2:05:41
